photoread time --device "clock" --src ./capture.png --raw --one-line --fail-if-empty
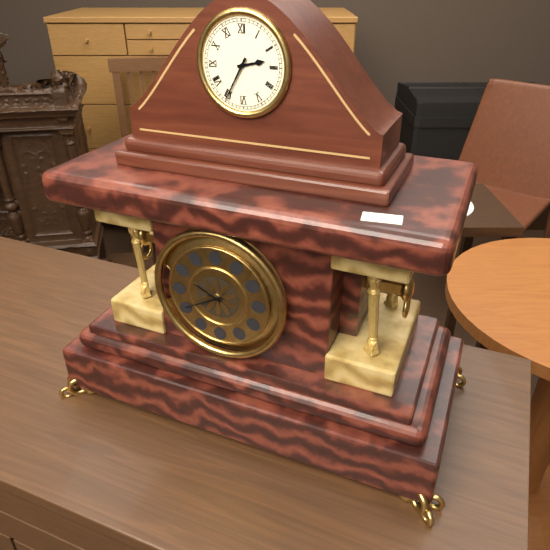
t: 2:35
